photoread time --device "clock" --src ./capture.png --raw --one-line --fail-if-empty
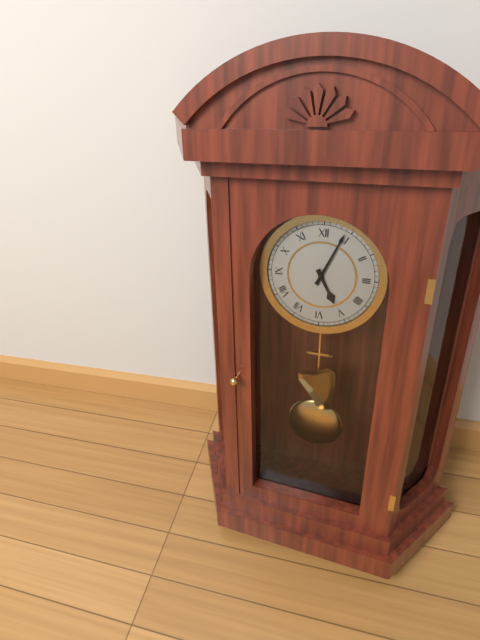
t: 5:04
